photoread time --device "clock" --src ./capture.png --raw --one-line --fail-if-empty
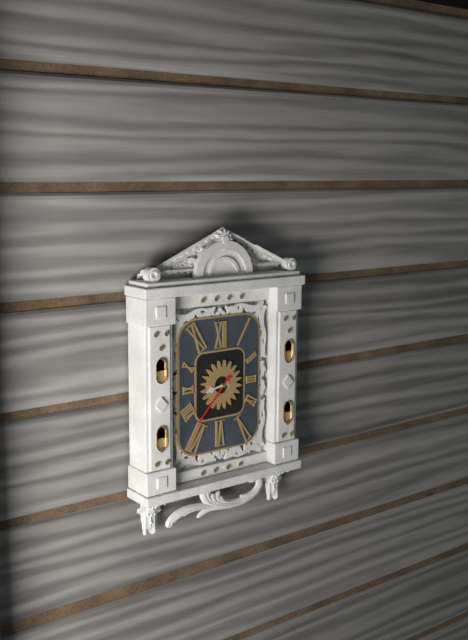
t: 8:37
